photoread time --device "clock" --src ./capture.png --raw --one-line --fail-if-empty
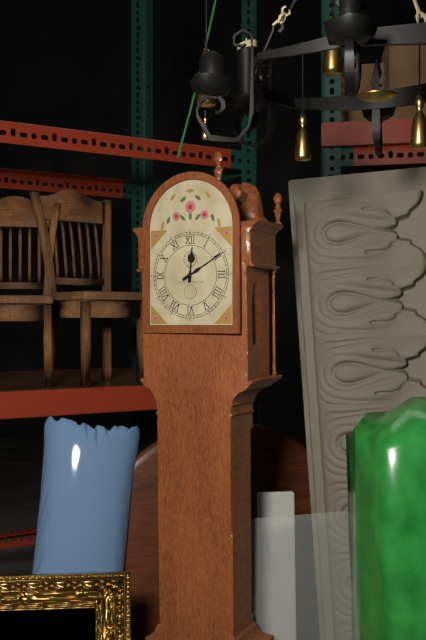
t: 12:10
